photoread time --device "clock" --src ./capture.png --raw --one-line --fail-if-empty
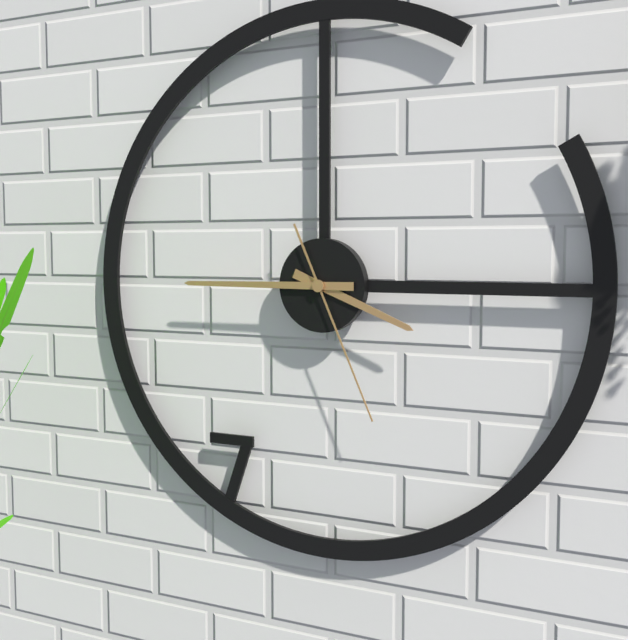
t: 3:45:26
